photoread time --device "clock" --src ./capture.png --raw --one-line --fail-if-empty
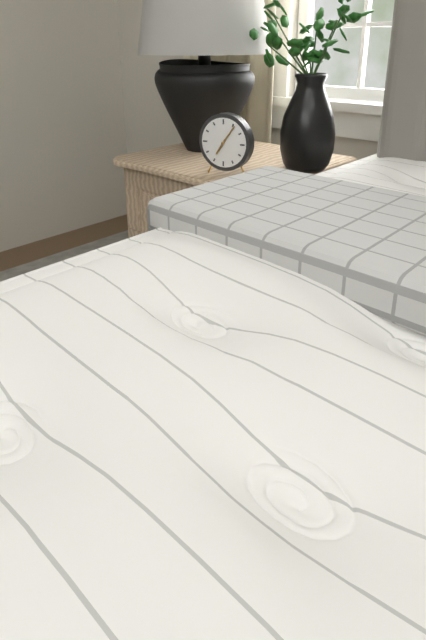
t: 7:06
